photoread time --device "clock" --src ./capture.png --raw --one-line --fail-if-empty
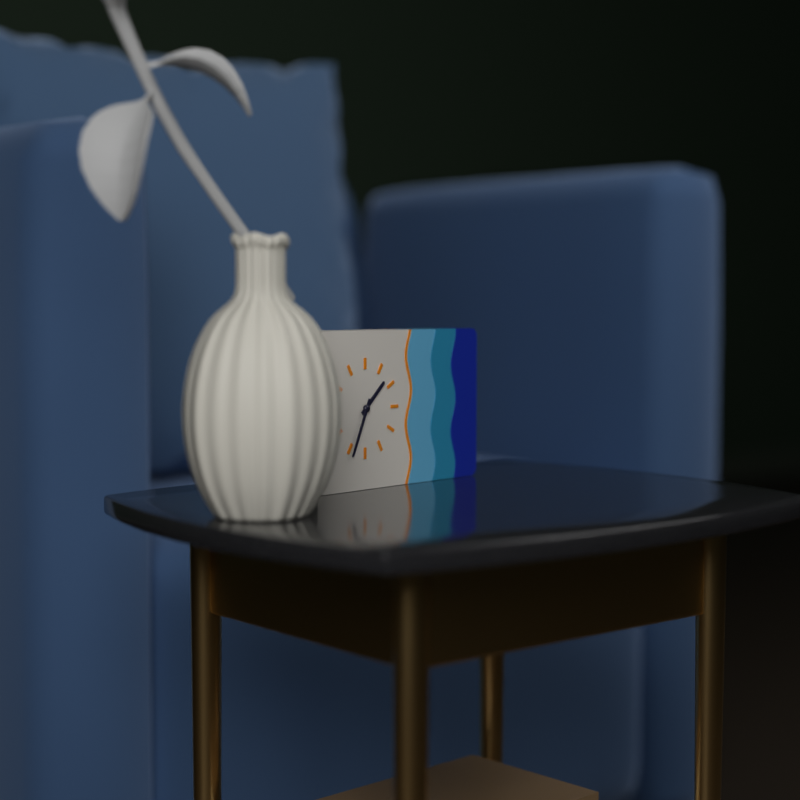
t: 1:34
